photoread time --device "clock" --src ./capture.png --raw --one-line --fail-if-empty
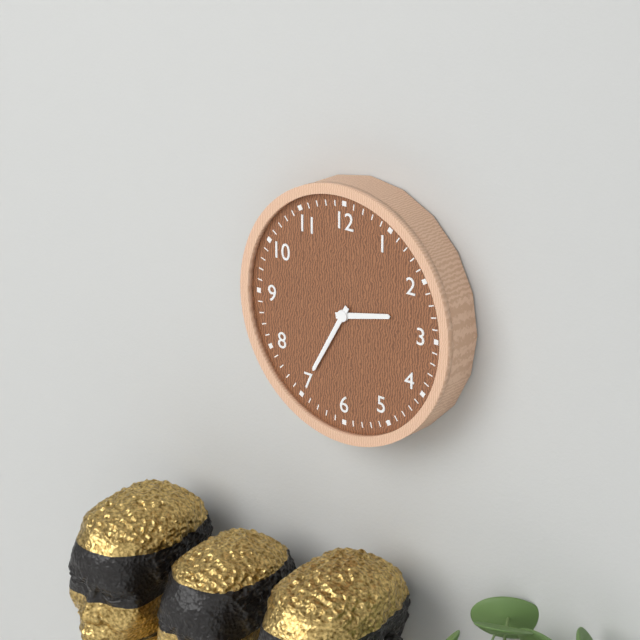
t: 2:35
